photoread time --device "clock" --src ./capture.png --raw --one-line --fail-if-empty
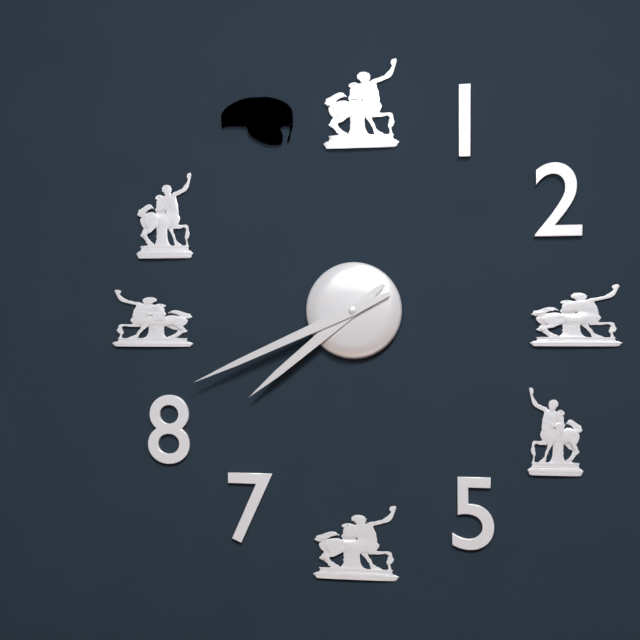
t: 7:41
